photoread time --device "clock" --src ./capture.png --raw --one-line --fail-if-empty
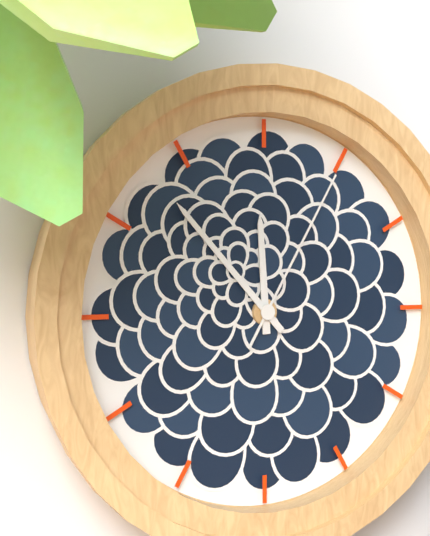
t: 11:53:05
